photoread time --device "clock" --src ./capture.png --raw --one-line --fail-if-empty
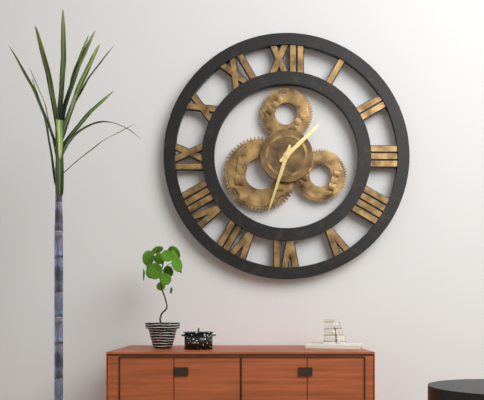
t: 1:33
